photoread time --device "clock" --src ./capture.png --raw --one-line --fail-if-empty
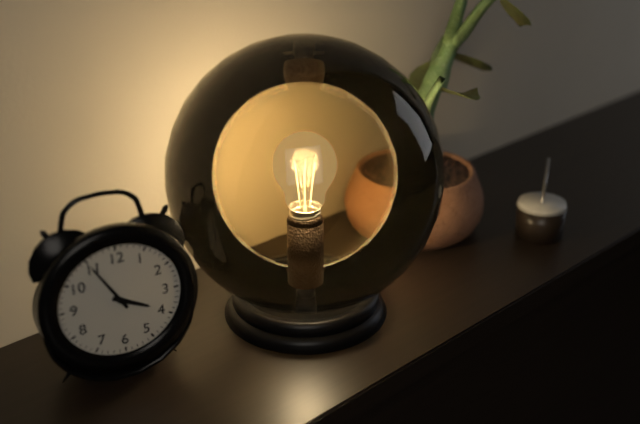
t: 3:55
